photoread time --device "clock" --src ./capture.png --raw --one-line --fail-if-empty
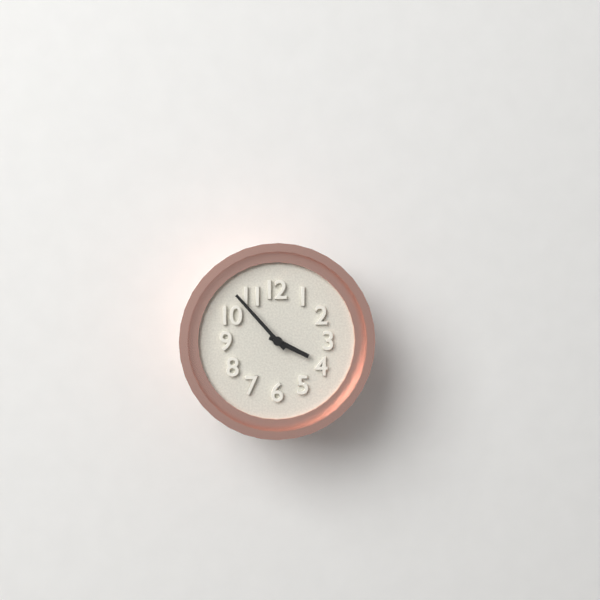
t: 3:53
